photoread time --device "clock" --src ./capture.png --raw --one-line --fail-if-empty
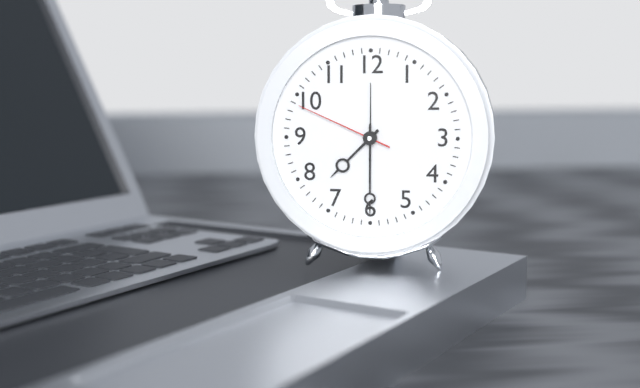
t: 7:30:49
